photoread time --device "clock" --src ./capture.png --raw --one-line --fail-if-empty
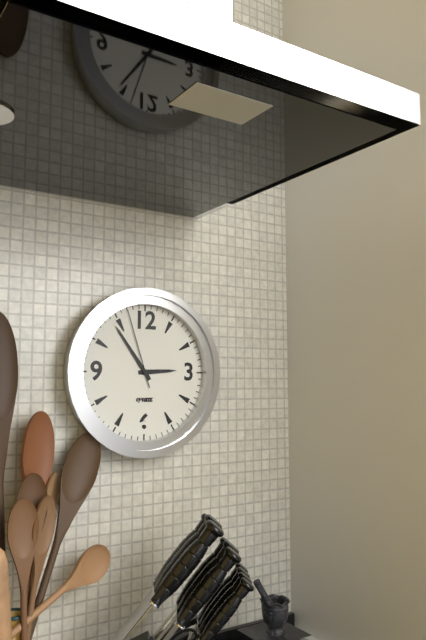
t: 2:54:57
